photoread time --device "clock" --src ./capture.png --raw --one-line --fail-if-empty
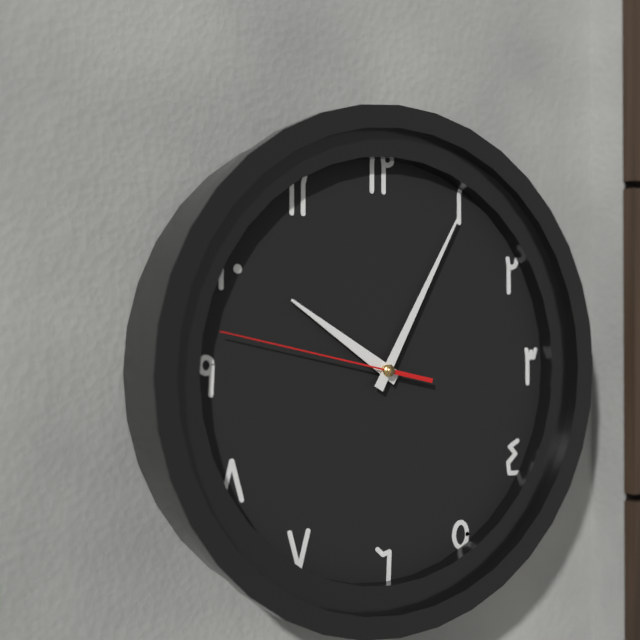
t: 10:05:47
